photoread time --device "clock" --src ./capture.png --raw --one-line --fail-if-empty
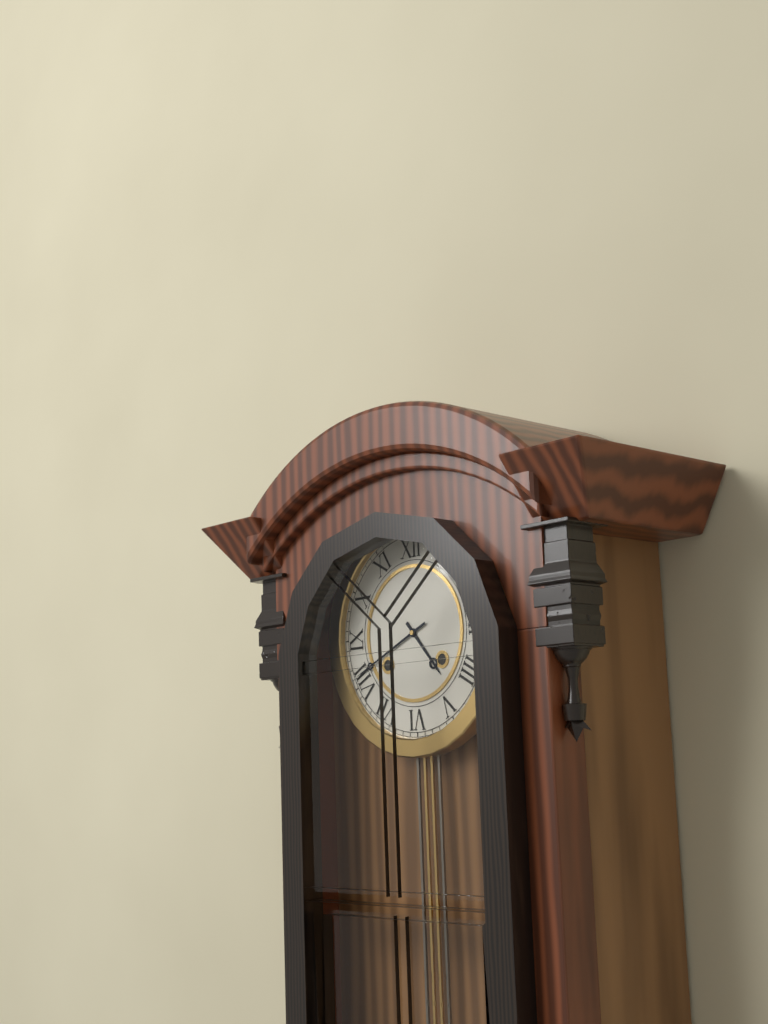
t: 4:41
